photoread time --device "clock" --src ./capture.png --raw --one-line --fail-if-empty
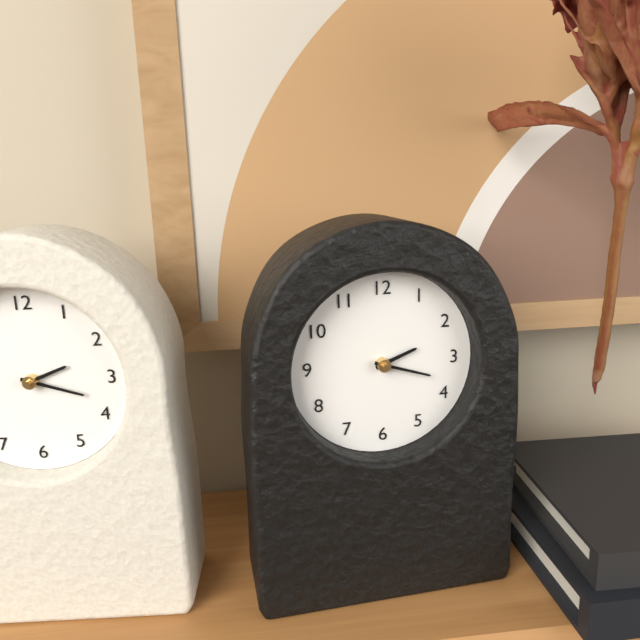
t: 2:18
